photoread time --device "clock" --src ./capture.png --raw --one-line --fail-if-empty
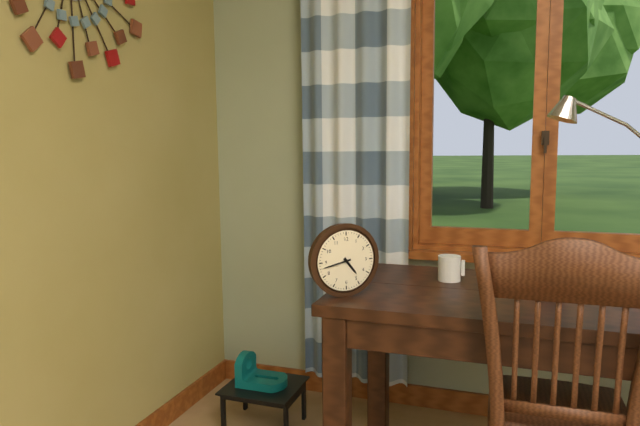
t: 4:43
